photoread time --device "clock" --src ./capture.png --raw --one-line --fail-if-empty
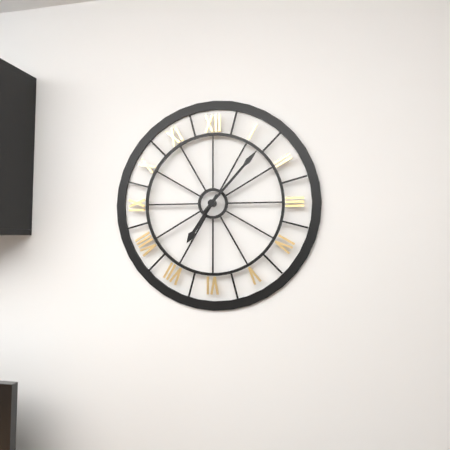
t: 7:07
